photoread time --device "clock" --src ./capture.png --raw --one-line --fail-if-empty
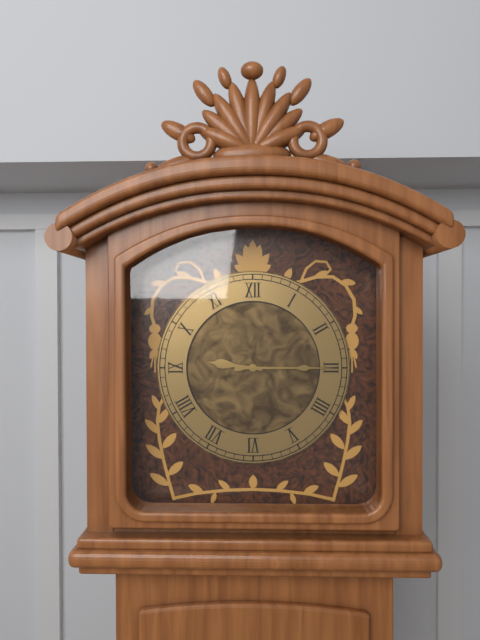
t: 9:15
